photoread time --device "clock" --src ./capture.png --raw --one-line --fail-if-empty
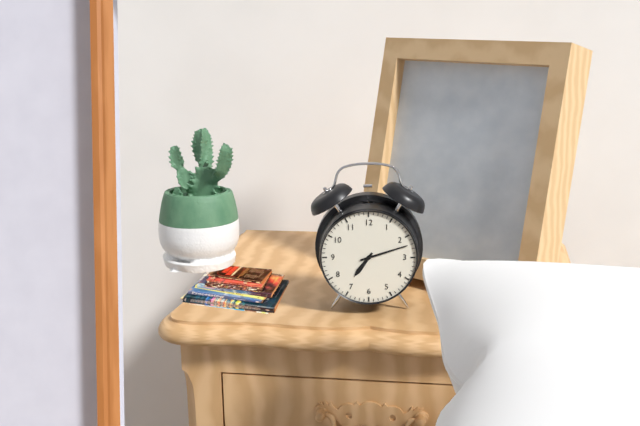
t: 7:12
